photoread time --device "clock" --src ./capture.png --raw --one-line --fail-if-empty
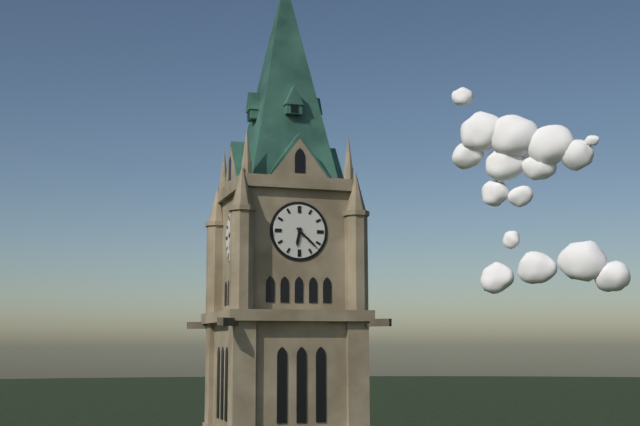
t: 6:22
